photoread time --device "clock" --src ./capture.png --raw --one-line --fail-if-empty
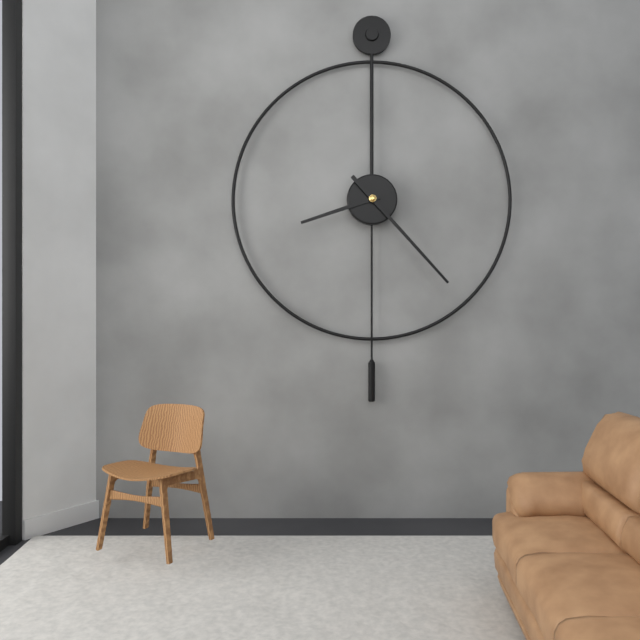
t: 8:23
